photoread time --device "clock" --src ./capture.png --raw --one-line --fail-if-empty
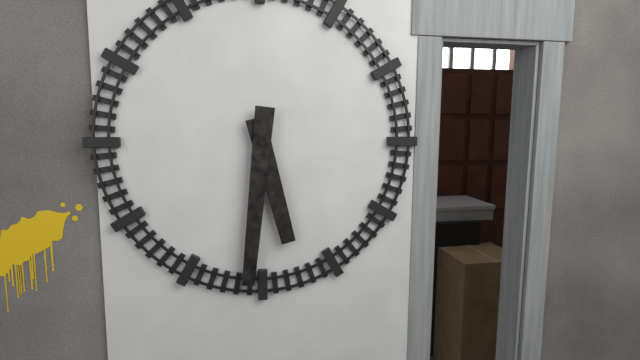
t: 5:31
